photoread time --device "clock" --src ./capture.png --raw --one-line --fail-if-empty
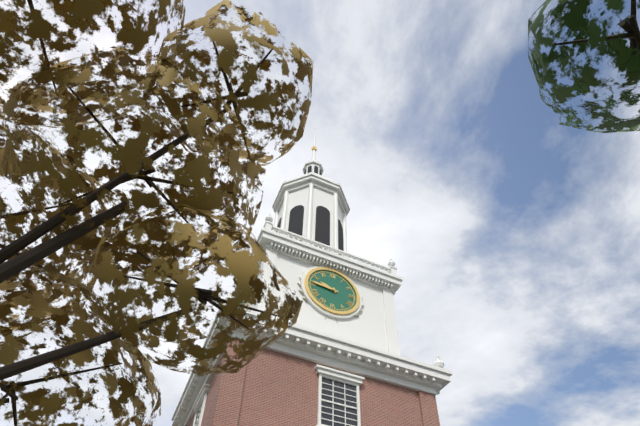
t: 9:46
